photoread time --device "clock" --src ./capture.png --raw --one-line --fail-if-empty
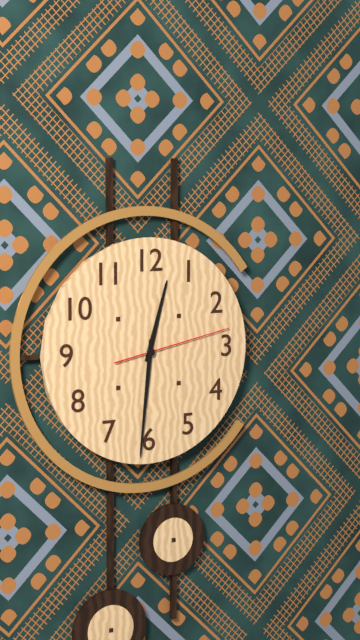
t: 12:31:13
